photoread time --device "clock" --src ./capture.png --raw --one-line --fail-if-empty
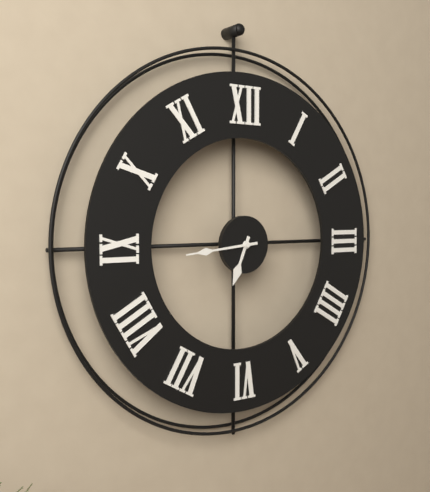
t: 6:44
